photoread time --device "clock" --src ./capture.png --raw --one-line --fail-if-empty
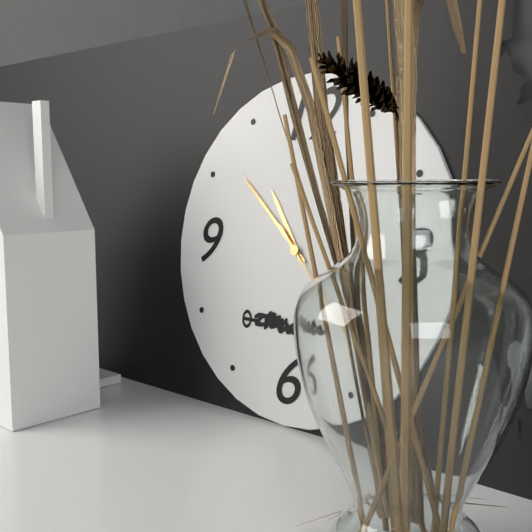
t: 10:52:23
